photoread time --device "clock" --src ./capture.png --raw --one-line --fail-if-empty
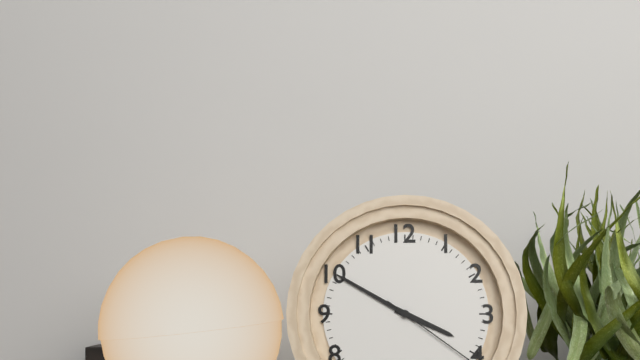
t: 3:50
